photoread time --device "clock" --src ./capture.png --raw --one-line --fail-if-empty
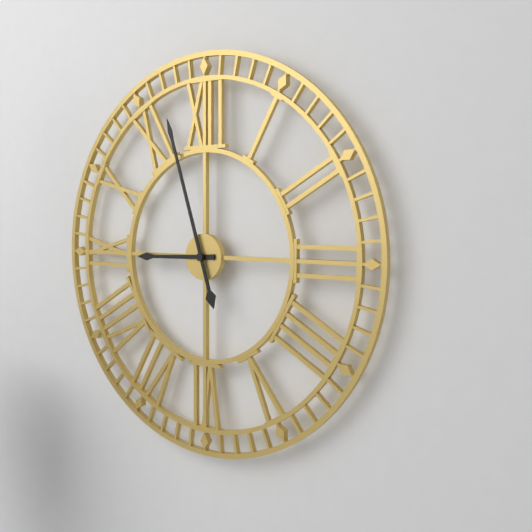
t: 8:57
